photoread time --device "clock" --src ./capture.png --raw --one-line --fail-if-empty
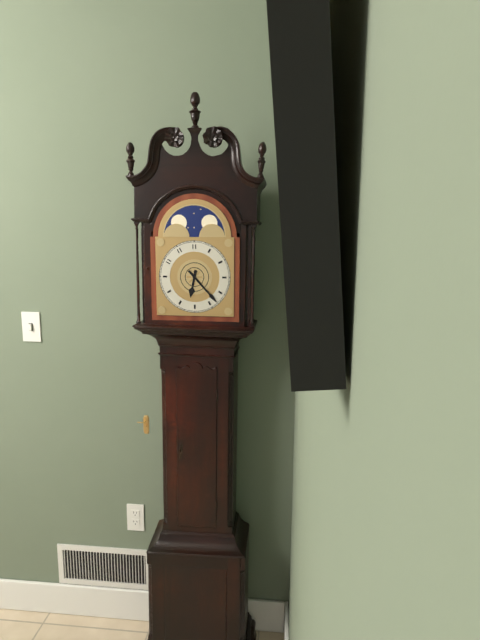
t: 6:23
